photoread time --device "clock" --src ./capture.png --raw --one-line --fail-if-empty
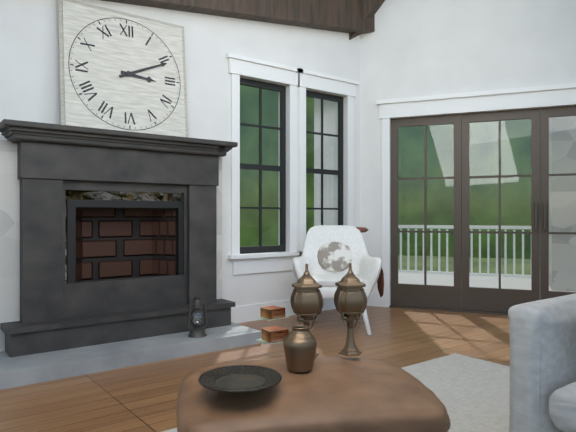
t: 3:11
